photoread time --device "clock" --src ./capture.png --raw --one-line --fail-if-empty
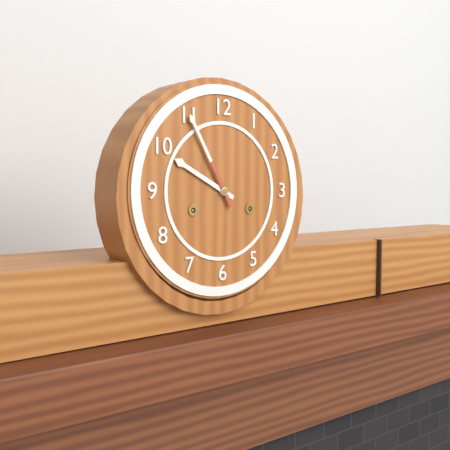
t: 9:55
